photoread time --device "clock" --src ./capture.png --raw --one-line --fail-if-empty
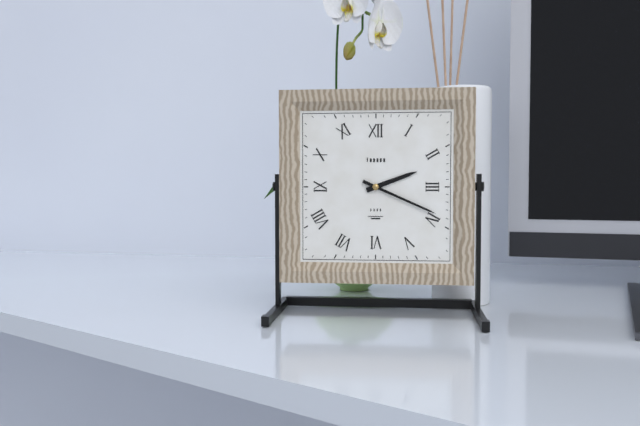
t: 2:19
